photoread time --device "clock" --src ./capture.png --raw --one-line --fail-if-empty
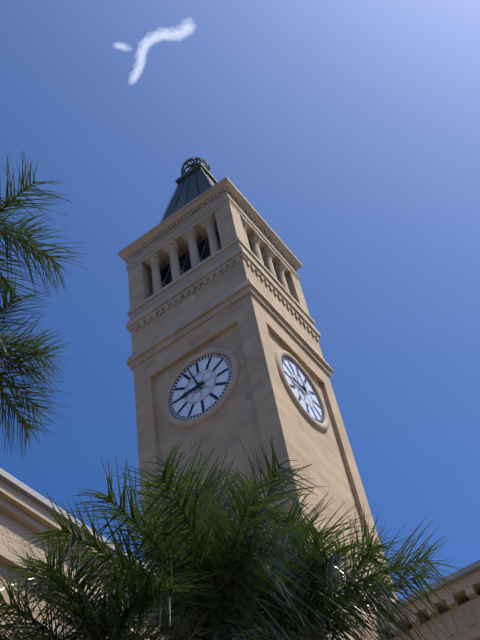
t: 8:57
